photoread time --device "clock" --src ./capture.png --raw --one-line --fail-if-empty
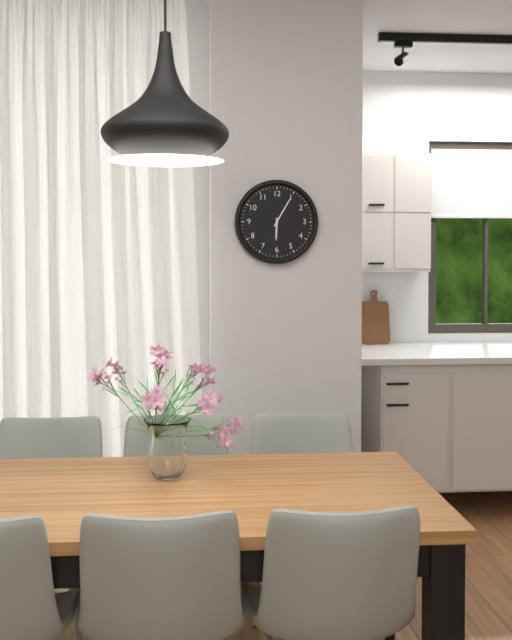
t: 6:05
